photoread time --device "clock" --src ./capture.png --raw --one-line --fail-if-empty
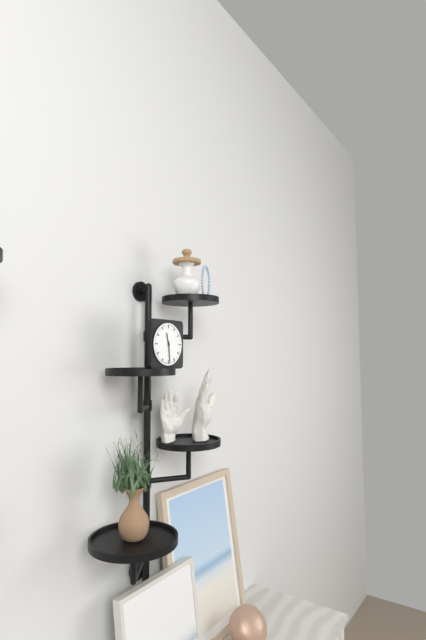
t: 11:29
